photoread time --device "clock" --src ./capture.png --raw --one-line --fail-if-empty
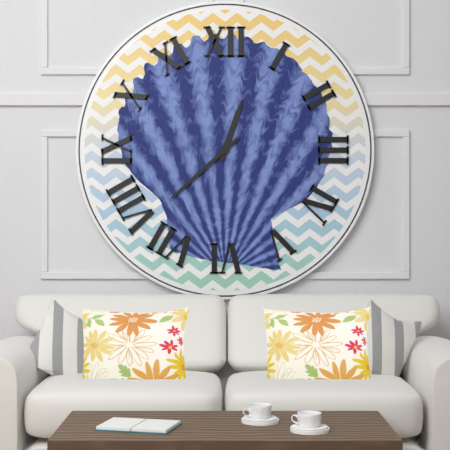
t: 12:38
